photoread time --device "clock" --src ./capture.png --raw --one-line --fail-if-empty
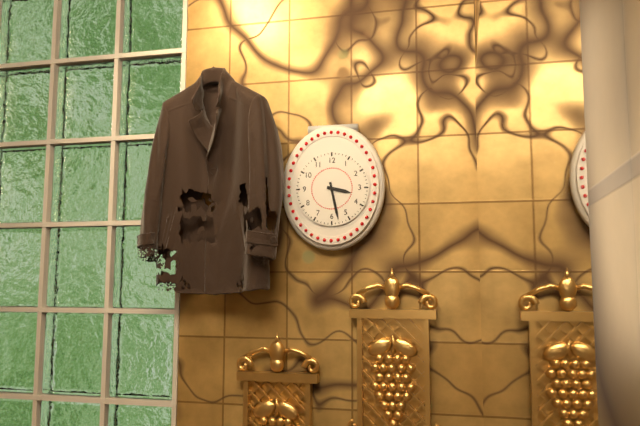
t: 3:28
